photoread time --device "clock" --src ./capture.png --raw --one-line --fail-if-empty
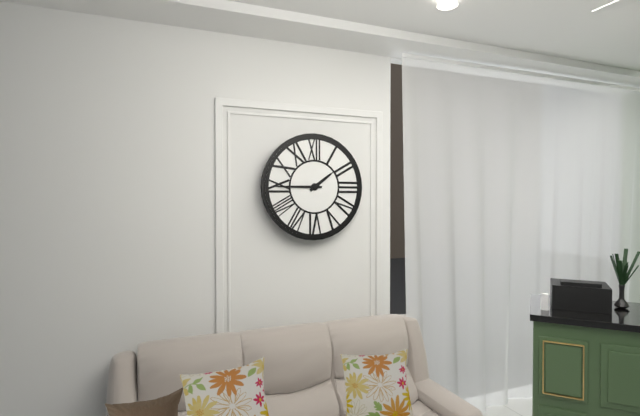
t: 1:45
